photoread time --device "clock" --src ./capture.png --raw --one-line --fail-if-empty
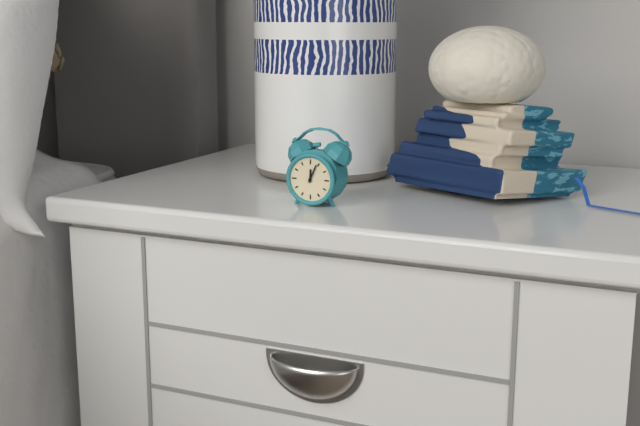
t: 12:04
